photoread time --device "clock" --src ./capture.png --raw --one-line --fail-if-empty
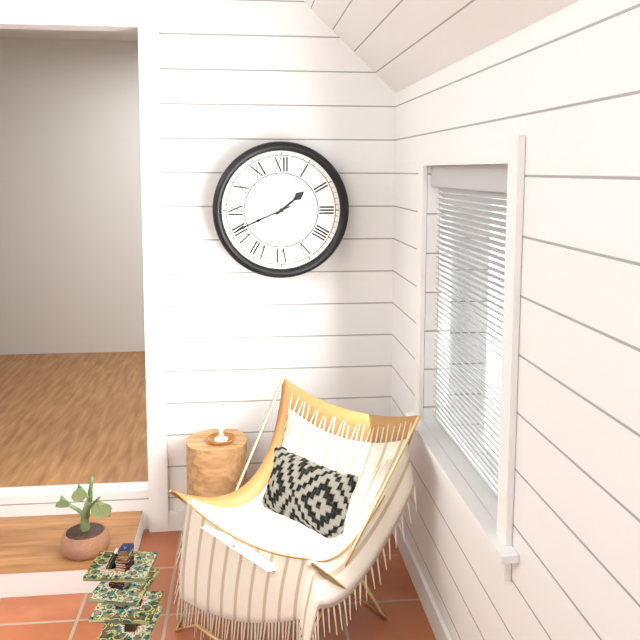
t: 1:41
